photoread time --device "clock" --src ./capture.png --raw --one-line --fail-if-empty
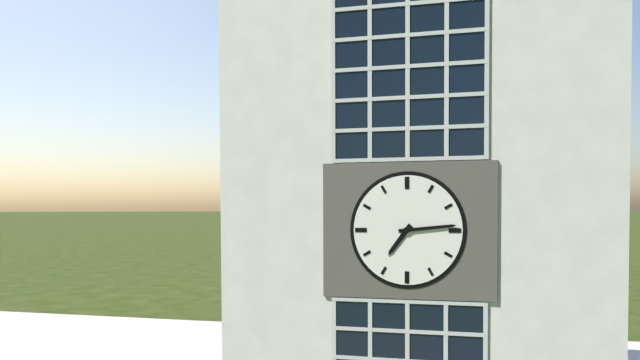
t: 7:14
